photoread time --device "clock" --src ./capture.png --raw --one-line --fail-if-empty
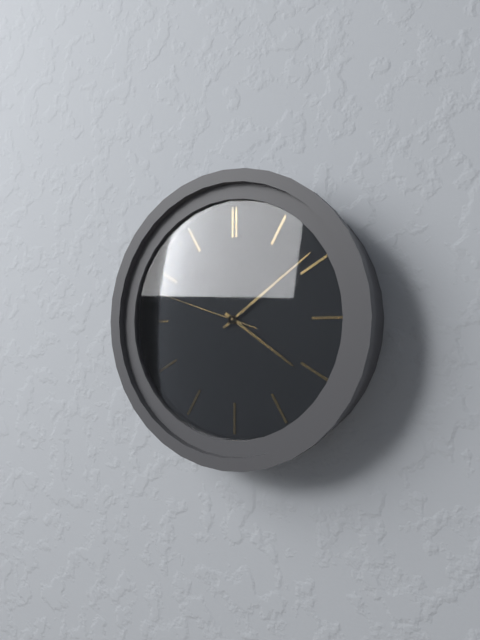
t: 4:09:48
